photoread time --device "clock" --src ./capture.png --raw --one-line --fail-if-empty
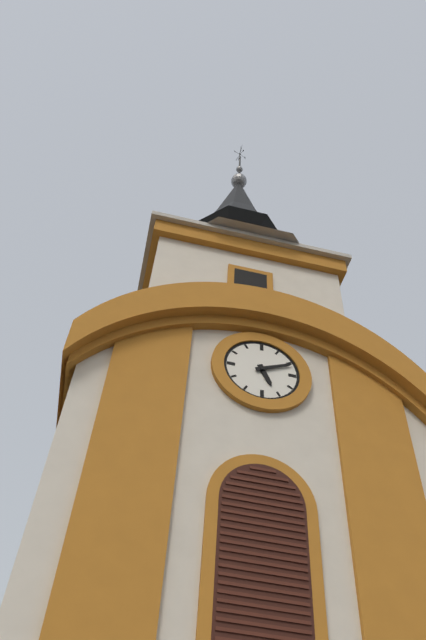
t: 5:11
